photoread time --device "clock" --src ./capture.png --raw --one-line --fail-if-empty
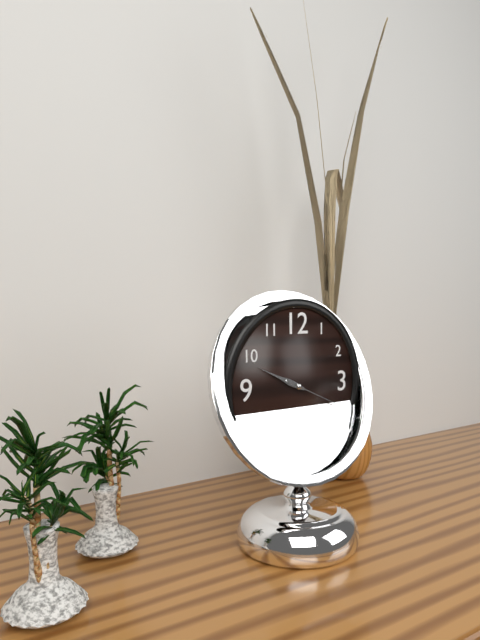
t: 9:49:19
